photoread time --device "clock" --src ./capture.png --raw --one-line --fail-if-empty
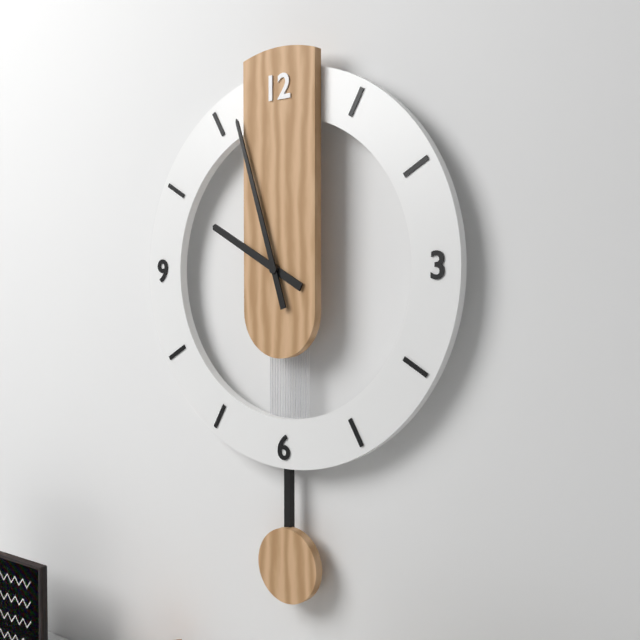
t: 9:57
